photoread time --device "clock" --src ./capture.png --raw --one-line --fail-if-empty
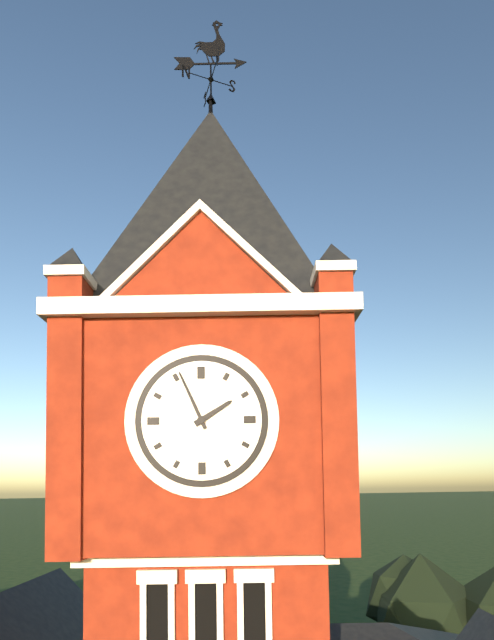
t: 1:56
